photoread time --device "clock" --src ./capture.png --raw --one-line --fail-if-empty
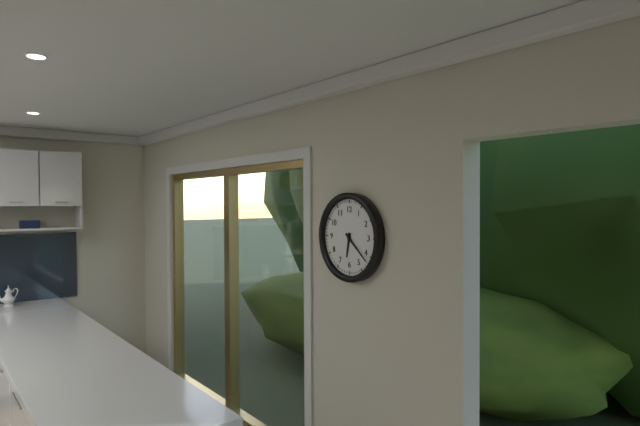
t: 6:22
